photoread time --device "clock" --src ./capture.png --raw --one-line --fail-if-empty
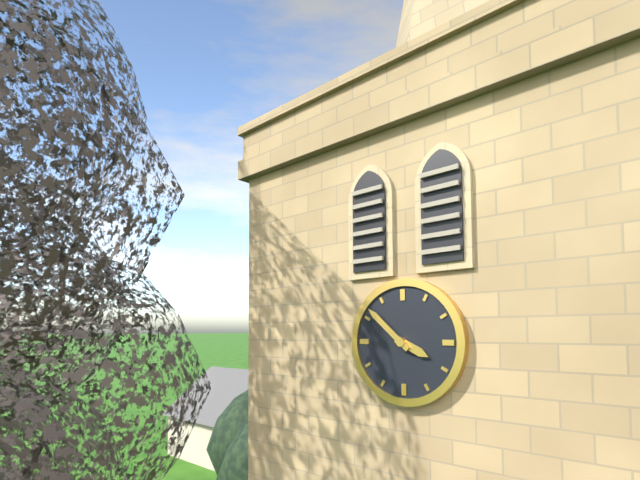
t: 3:52
